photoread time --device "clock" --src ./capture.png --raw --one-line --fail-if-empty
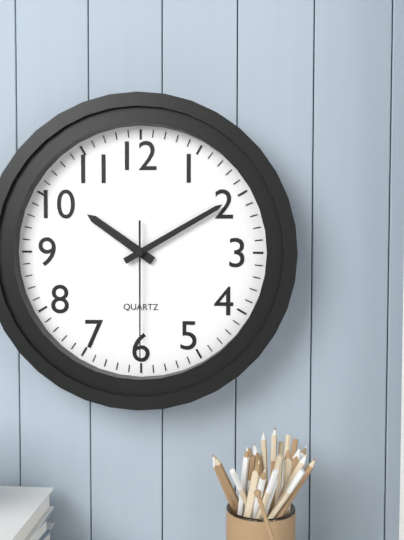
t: 10:10:30
